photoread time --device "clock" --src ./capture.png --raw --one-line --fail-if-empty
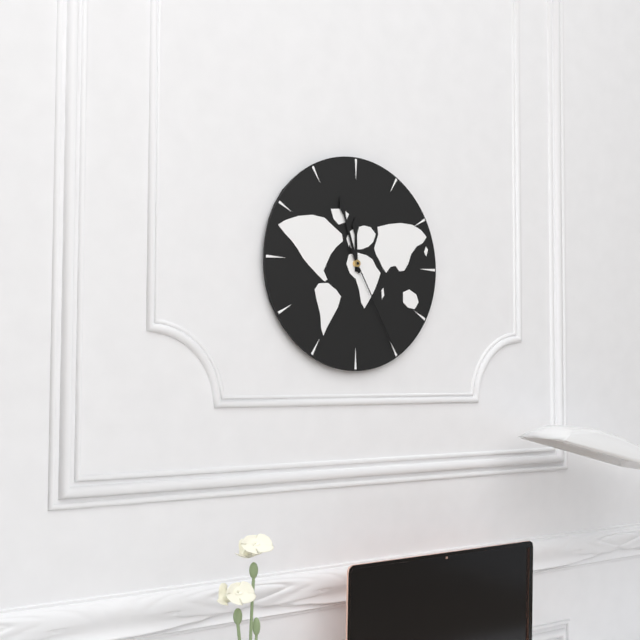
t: 11:57:25
